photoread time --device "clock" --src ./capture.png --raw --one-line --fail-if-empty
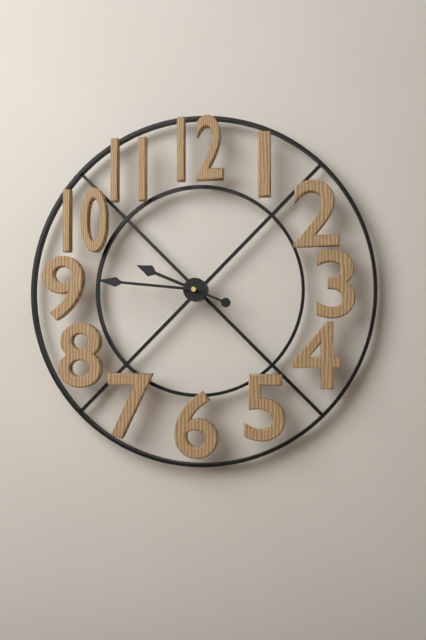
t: 9:46
